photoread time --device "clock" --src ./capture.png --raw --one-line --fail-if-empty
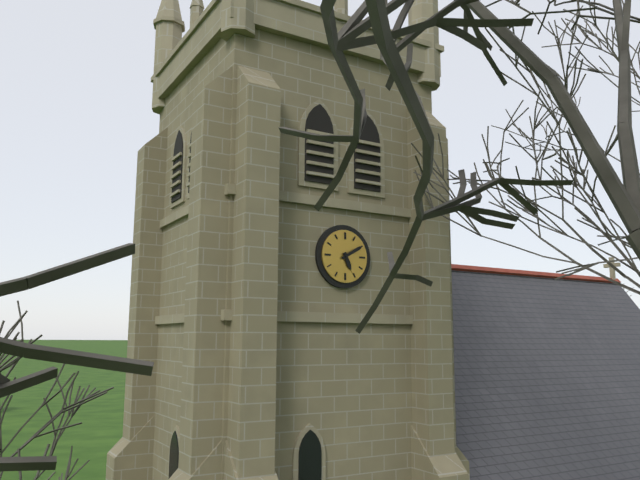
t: 5:10
